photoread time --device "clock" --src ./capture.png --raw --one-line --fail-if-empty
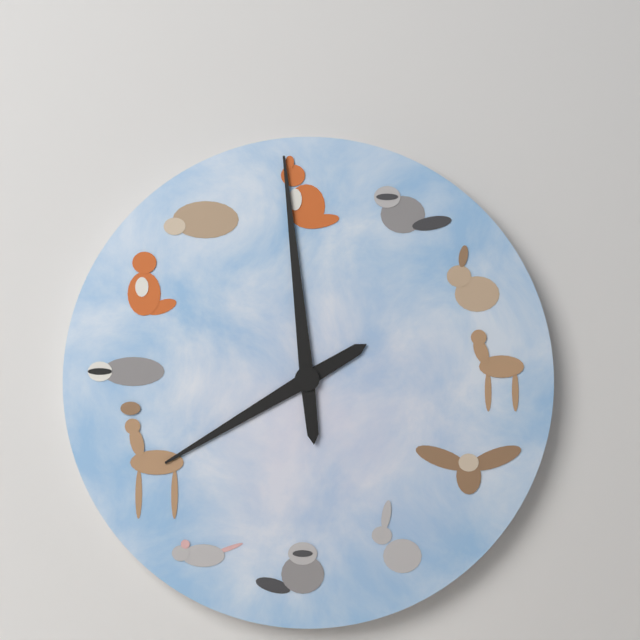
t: 7:59
